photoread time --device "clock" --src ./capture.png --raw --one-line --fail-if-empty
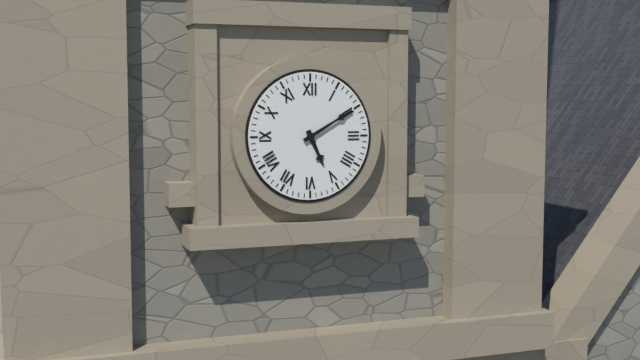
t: 5:10
